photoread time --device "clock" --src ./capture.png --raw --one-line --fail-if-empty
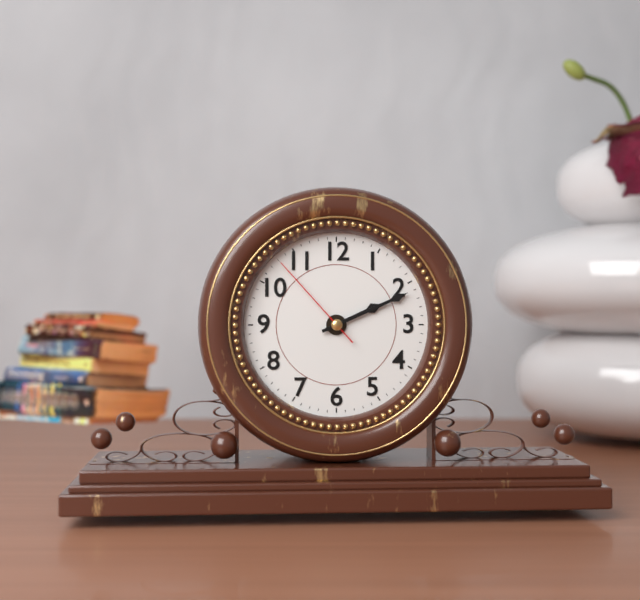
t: 2:11:53
